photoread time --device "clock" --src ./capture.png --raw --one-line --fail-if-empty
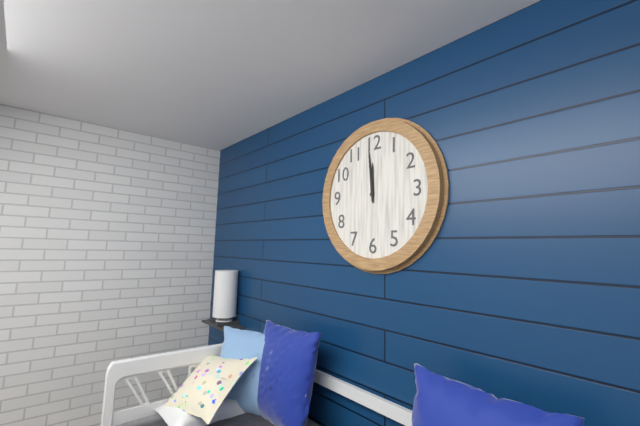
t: 11:59
